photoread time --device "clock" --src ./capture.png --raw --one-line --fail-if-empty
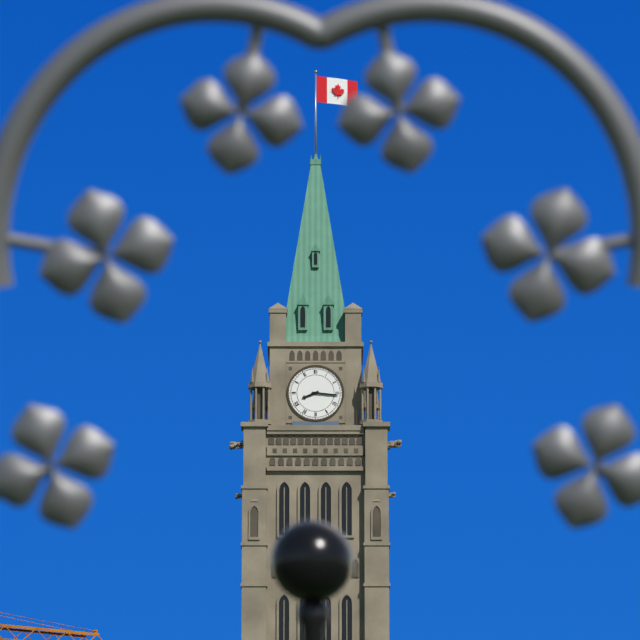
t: 8:16
